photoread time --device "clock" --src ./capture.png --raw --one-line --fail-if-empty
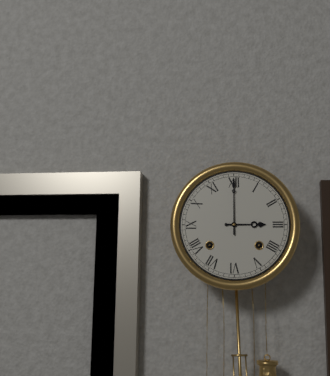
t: 3:00
